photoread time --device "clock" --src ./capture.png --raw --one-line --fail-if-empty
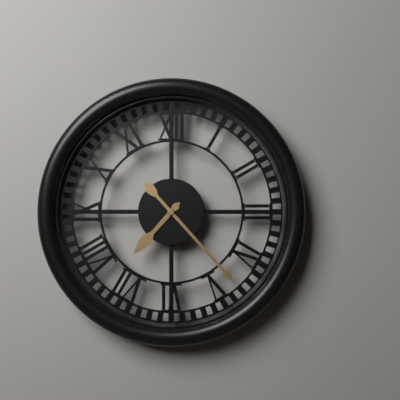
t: 7:23
